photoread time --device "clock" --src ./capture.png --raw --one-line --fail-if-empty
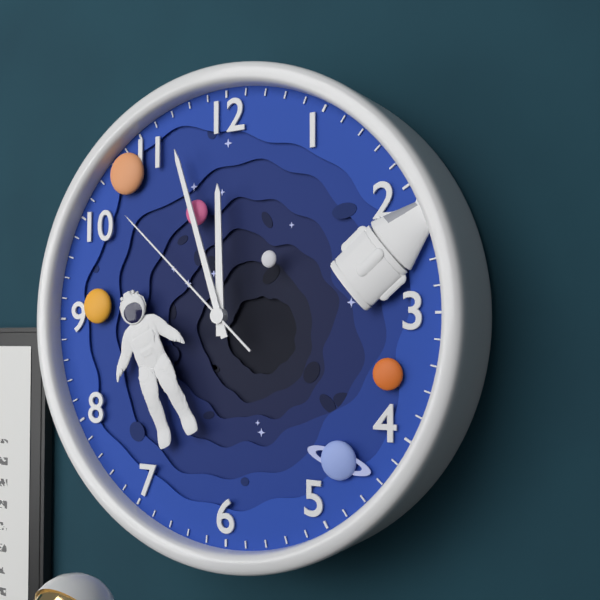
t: 11:57:52
